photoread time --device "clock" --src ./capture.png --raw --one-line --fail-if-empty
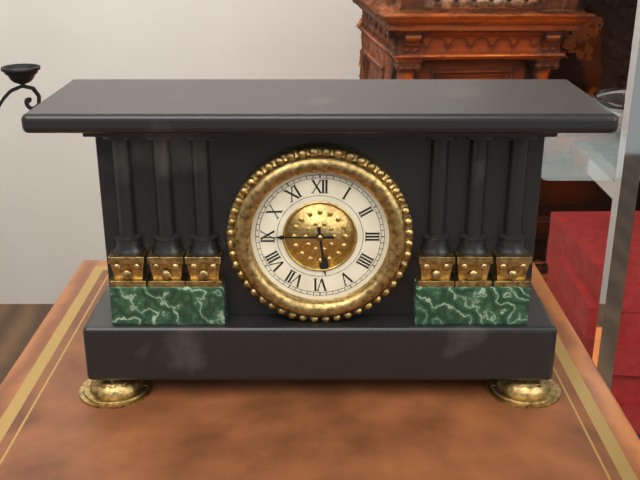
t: 5:45
